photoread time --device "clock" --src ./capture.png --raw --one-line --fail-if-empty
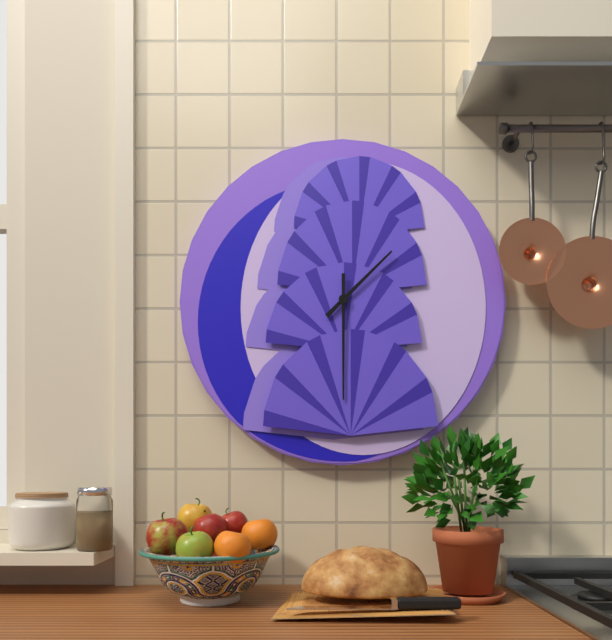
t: 1:30
